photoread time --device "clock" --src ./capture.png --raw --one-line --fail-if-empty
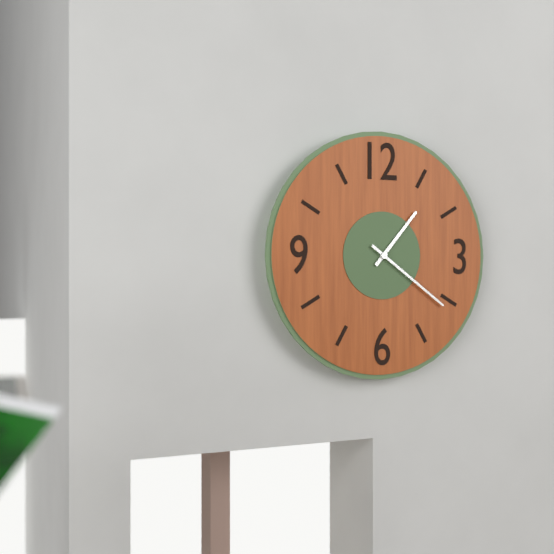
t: 1:21
